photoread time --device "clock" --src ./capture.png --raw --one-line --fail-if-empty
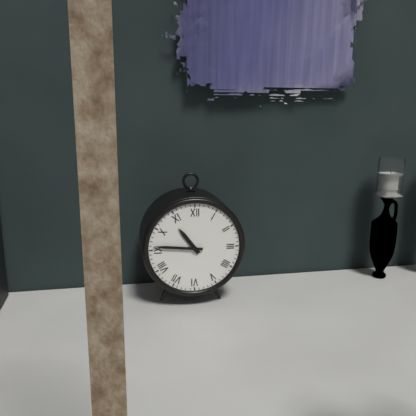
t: 10:46
